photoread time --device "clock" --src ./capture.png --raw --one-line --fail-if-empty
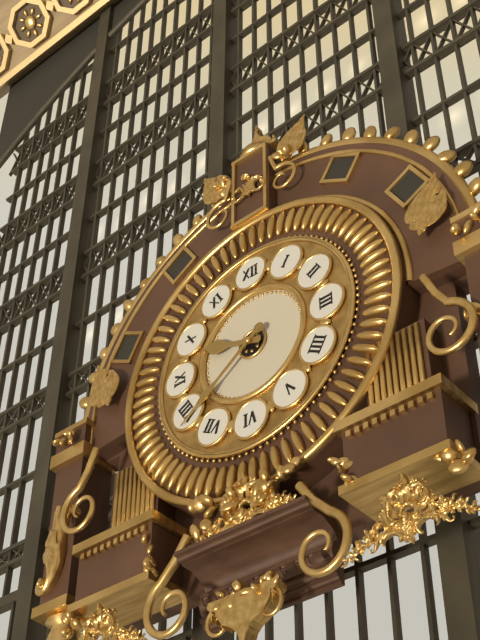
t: 9:39
